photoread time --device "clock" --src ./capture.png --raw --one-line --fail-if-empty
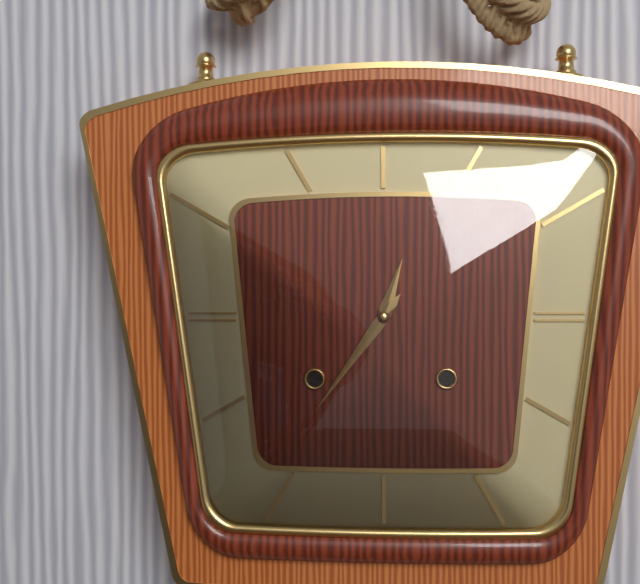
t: 12:36
